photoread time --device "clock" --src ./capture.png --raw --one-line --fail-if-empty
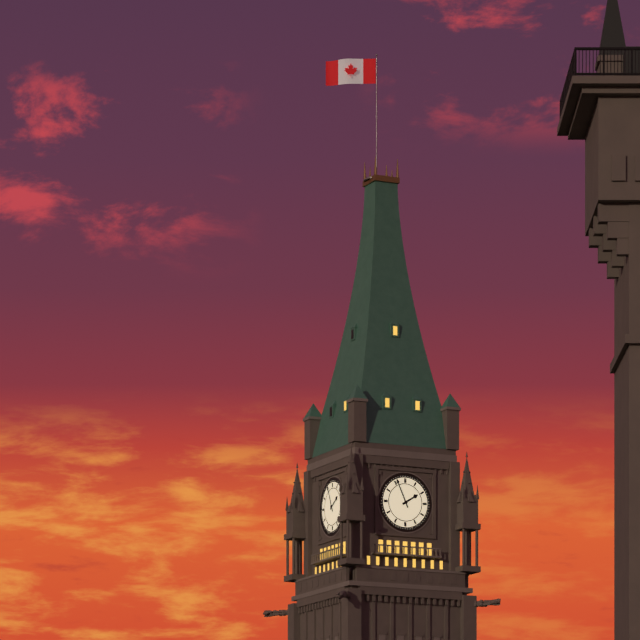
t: 1:56
